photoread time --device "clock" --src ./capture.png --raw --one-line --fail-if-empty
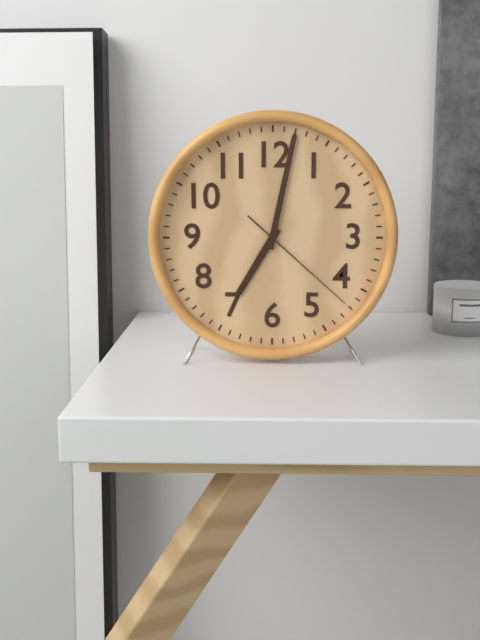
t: 7:02:22
